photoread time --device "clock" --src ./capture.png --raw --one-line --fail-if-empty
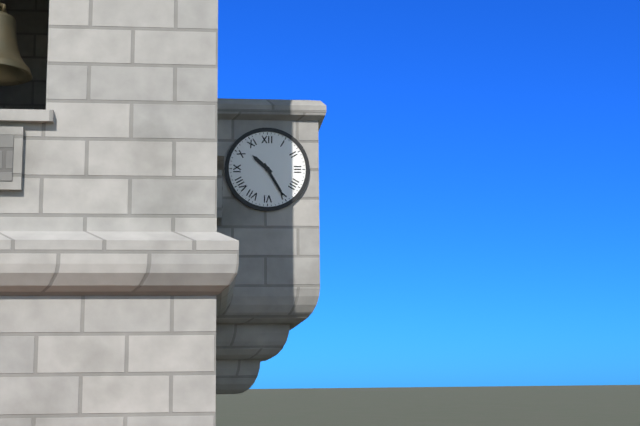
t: 10:25
